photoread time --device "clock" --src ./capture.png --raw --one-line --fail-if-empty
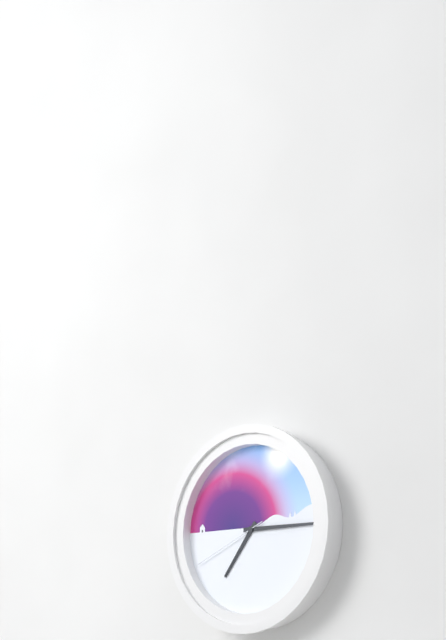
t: 7:15:41
